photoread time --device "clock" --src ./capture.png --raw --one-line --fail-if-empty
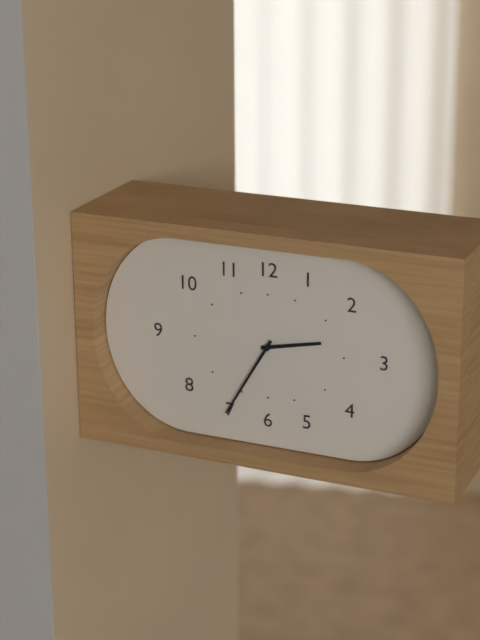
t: 2:35
